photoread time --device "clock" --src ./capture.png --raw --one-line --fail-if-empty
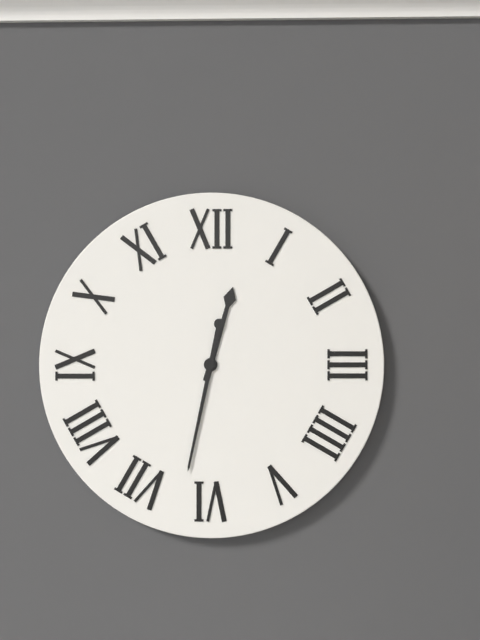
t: 12:32
